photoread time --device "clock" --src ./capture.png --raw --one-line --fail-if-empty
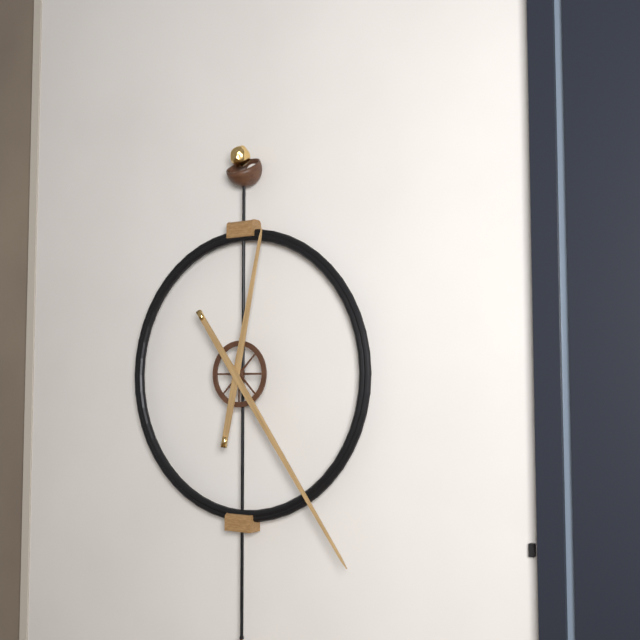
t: 12:24
